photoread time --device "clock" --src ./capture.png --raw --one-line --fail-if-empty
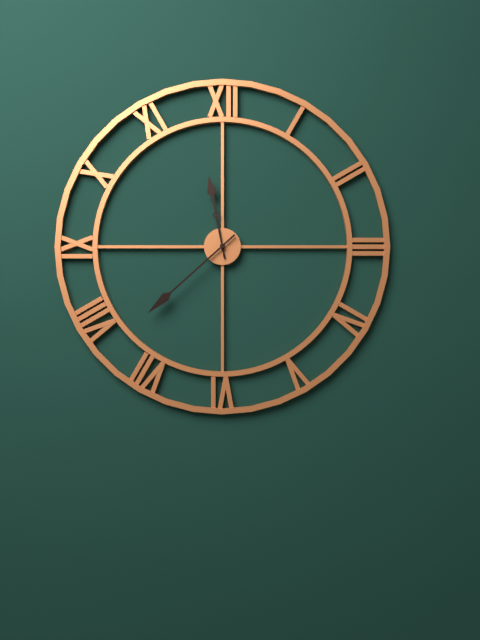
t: 11:38
